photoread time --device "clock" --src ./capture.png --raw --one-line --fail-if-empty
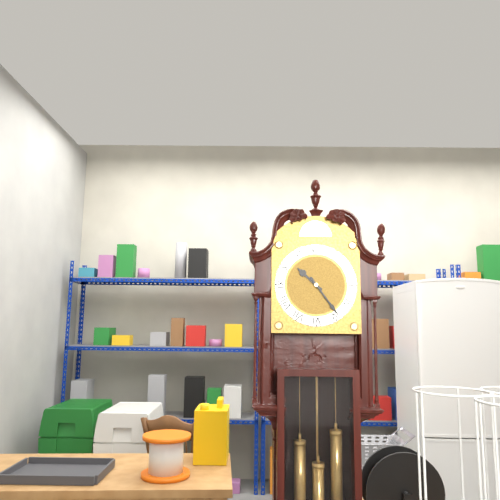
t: 10:24
